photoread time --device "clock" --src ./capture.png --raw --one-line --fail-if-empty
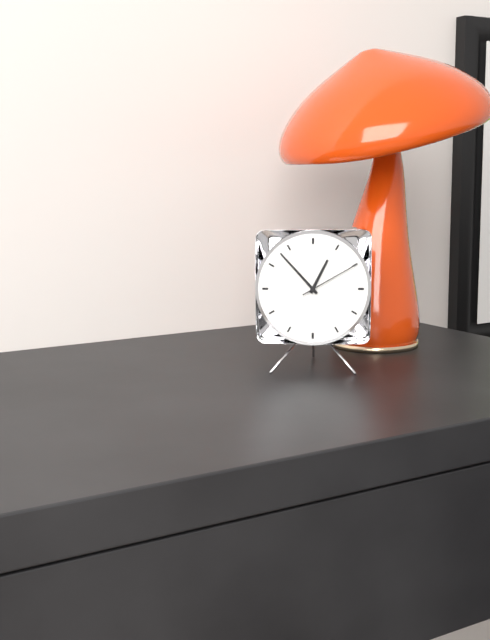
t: 12:53:10
